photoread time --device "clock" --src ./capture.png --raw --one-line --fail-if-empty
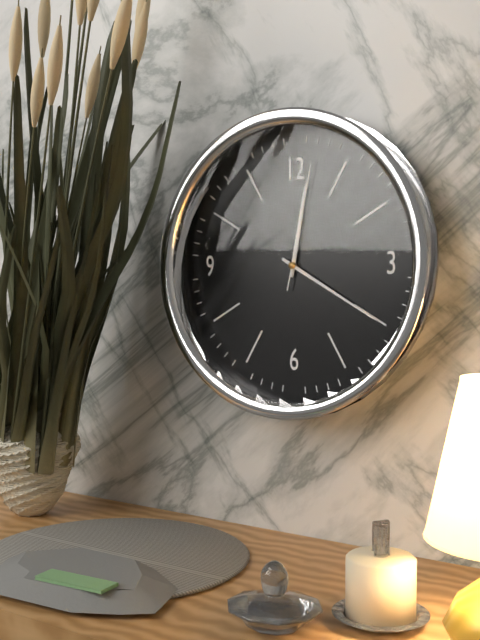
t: 12:20:02
